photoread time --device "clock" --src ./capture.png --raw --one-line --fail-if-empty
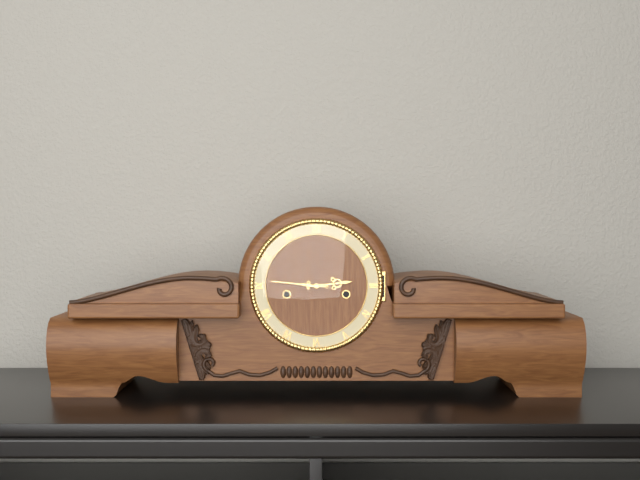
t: 2:46
